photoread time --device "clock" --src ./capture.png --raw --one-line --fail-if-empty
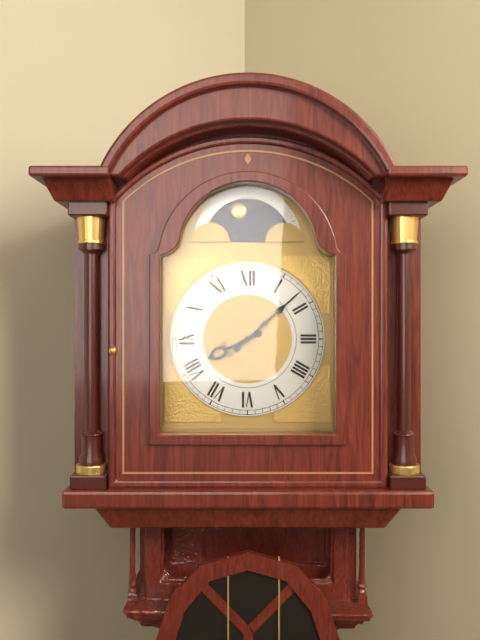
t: 8:08
